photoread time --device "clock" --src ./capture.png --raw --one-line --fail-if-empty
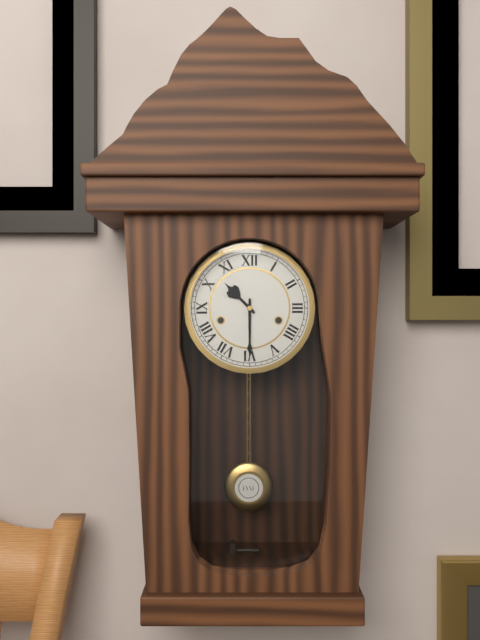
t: 10:30
